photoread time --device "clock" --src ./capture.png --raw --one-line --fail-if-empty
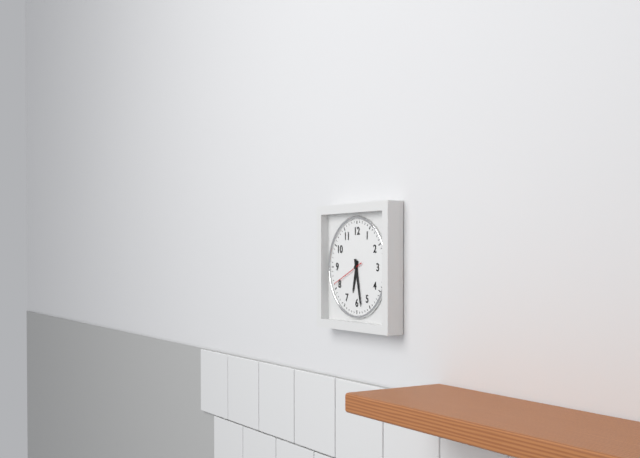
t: 6:28
